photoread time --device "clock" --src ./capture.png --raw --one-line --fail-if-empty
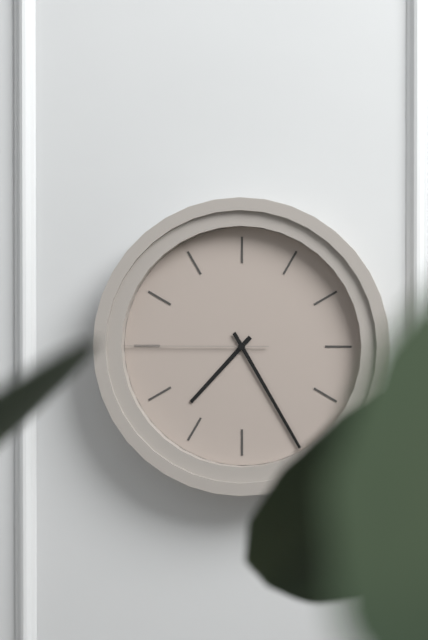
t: 7:25:45
